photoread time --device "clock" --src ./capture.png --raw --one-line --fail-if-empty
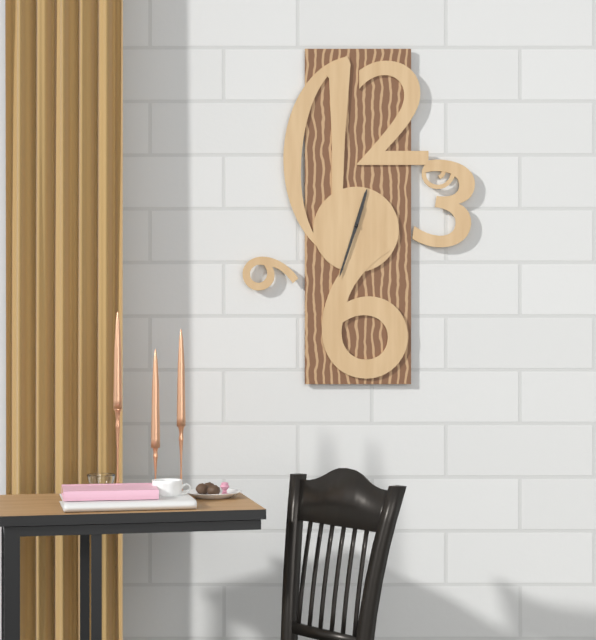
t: 12:33
